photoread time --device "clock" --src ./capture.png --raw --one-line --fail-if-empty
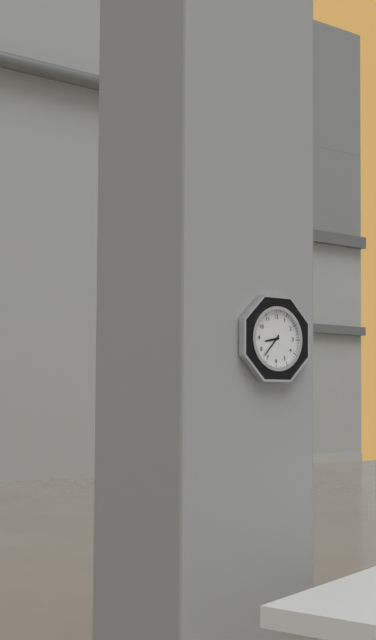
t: 8:37
